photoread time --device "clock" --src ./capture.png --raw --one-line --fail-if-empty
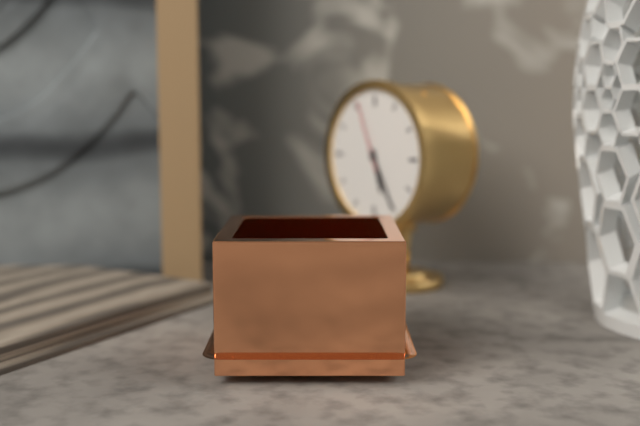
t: 5:25:56
